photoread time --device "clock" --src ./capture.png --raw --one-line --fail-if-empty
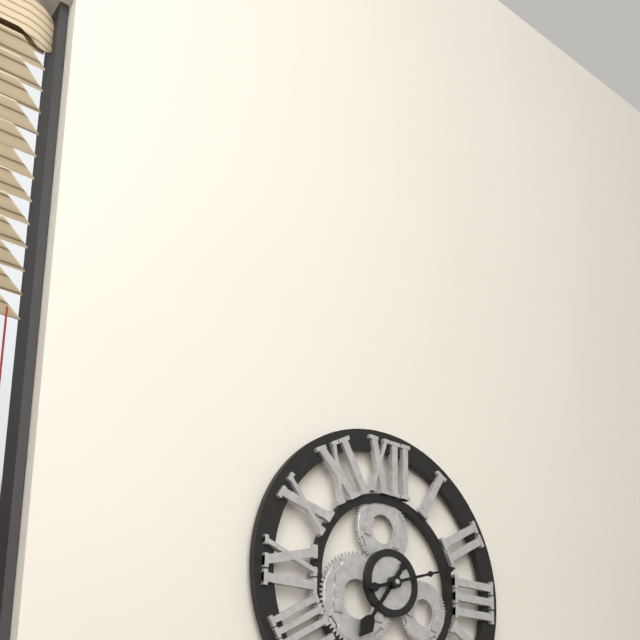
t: 7:12
